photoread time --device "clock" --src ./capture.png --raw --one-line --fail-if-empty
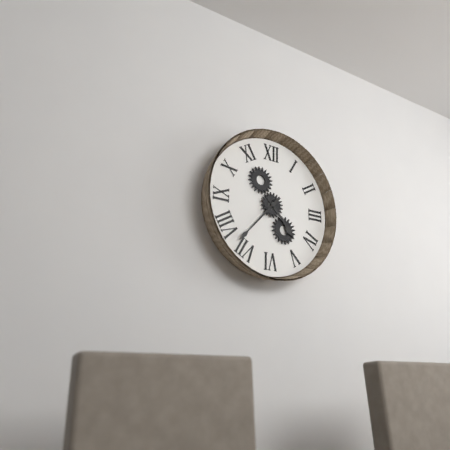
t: 4:37
